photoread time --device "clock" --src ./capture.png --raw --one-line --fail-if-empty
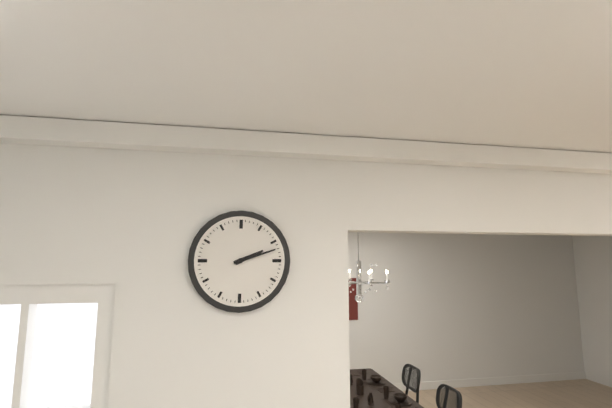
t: 2:12
